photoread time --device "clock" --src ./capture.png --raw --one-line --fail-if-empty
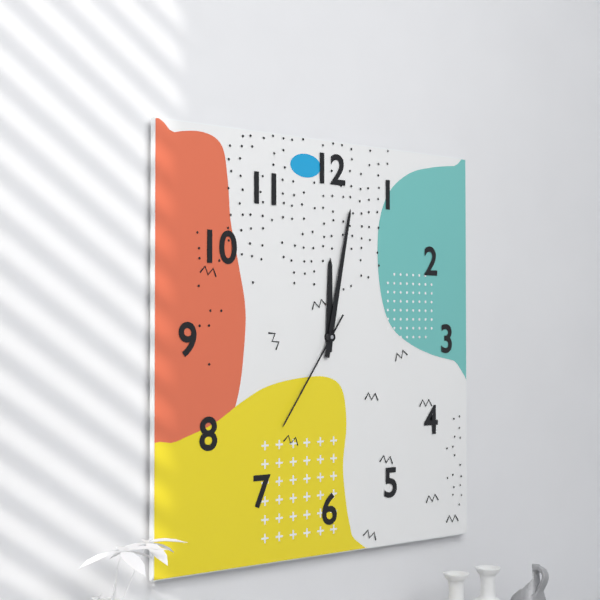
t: 12:02:36
